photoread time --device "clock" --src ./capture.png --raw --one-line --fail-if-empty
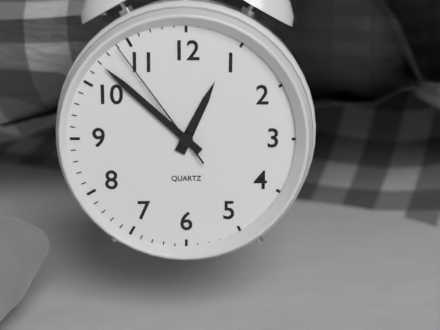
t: 12:52:54
